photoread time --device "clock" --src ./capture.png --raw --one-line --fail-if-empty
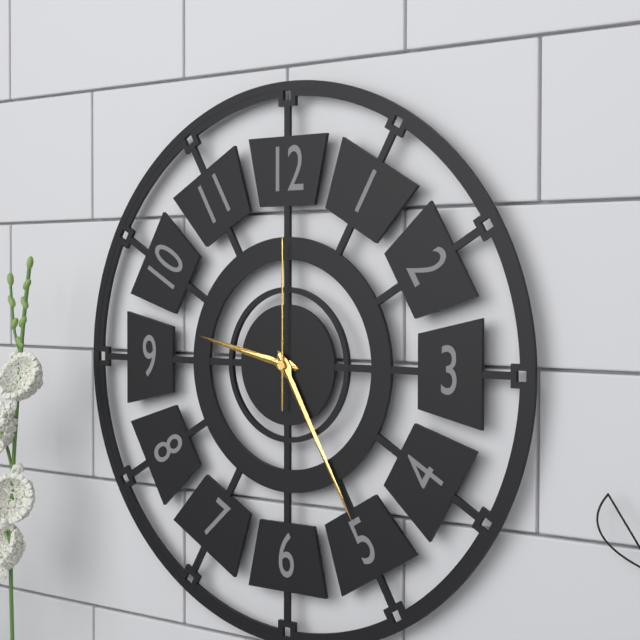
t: 9:25:00
